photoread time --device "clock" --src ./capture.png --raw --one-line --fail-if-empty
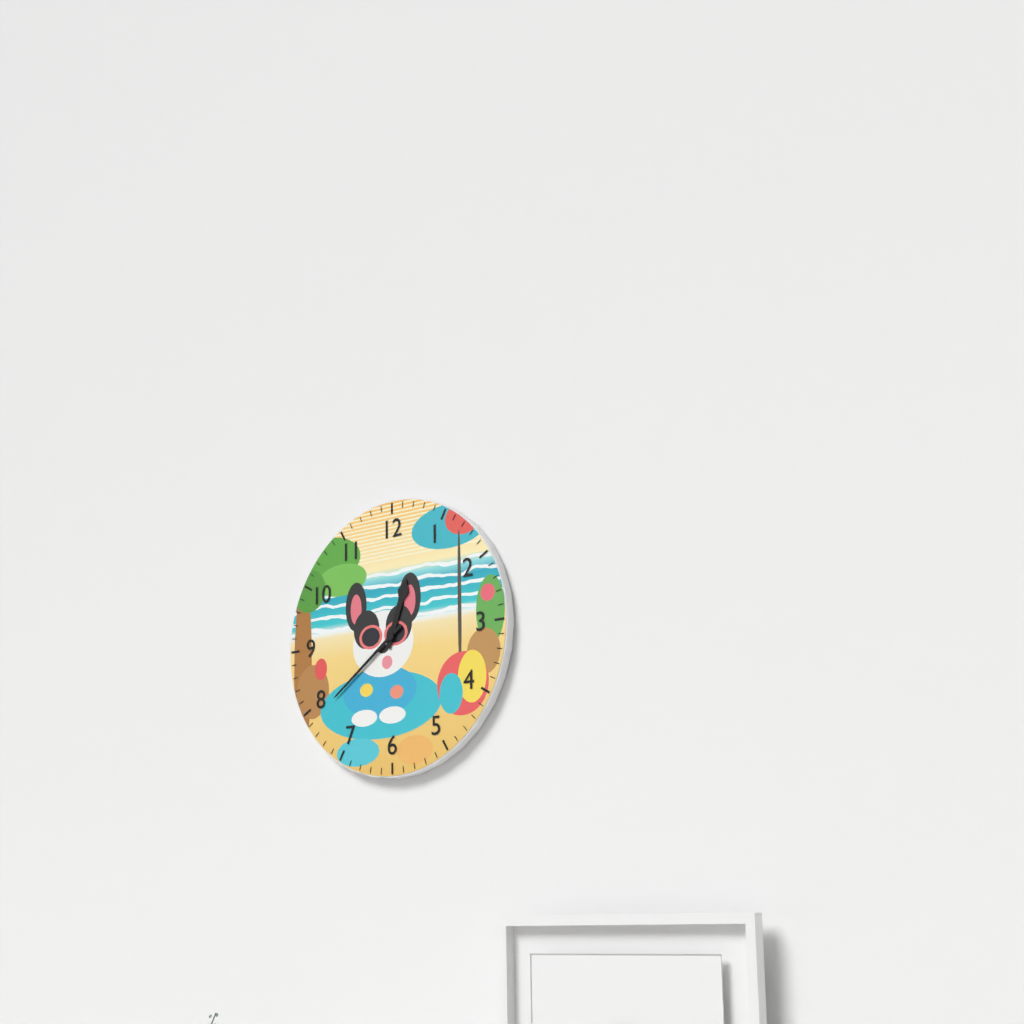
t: 12:39
